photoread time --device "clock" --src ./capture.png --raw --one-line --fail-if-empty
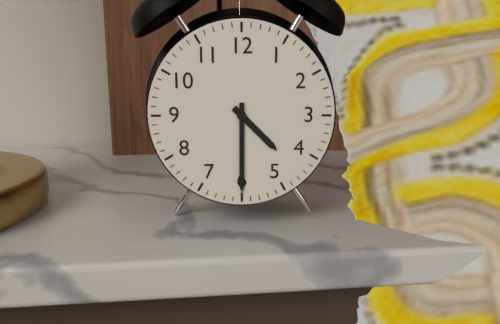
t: 4:30
